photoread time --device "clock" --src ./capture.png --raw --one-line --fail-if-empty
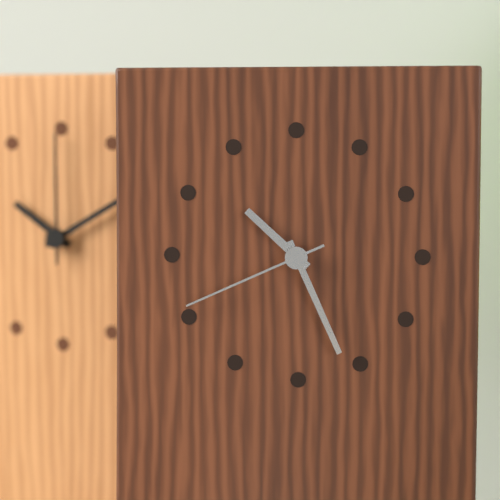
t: 10:26:41
